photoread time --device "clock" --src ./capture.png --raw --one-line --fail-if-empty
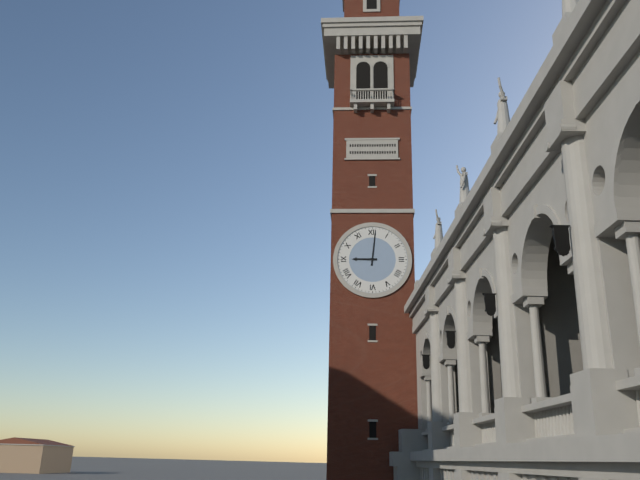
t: 9:01
